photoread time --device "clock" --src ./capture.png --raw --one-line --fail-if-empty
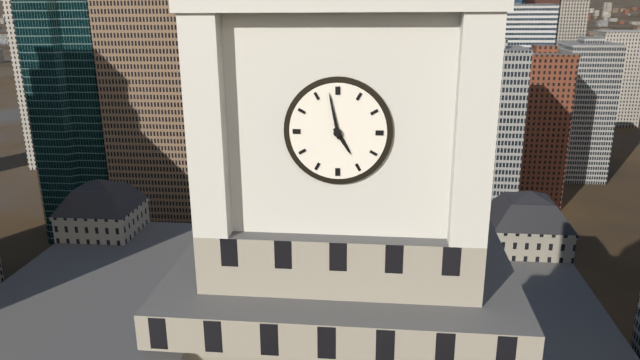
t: 4:58
